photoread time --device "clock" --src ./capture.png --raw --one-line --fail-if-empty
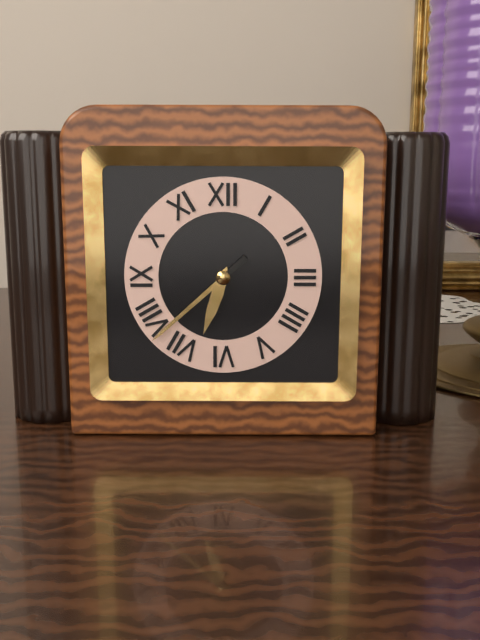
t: 6:38
